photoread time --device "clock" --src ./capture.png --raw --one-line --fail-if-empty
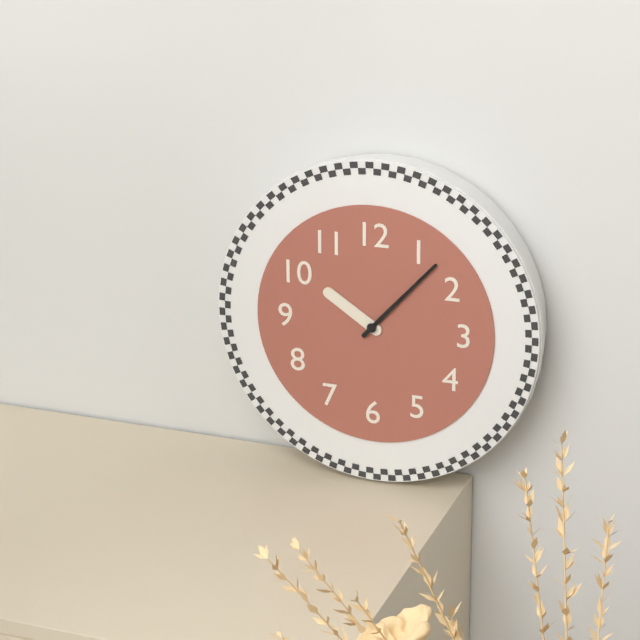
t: 10:07
